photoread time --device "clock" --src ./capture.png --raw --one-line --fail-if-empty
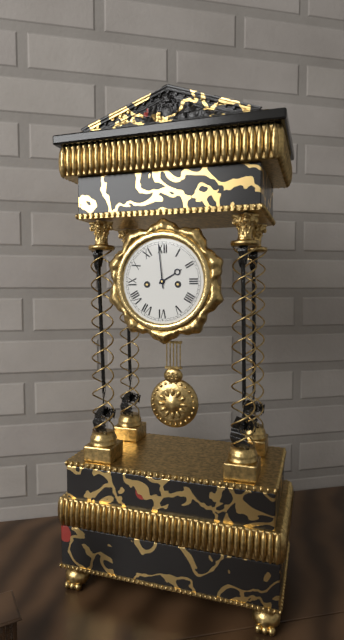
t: 1:59
